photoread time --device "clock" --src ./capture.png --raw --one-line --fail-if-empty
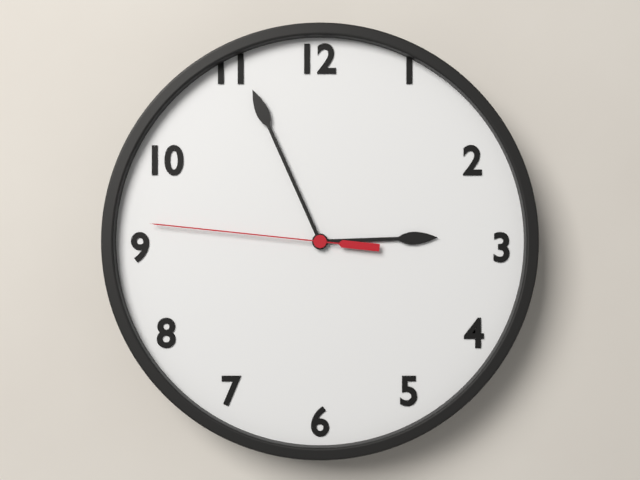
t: 2:56:46
